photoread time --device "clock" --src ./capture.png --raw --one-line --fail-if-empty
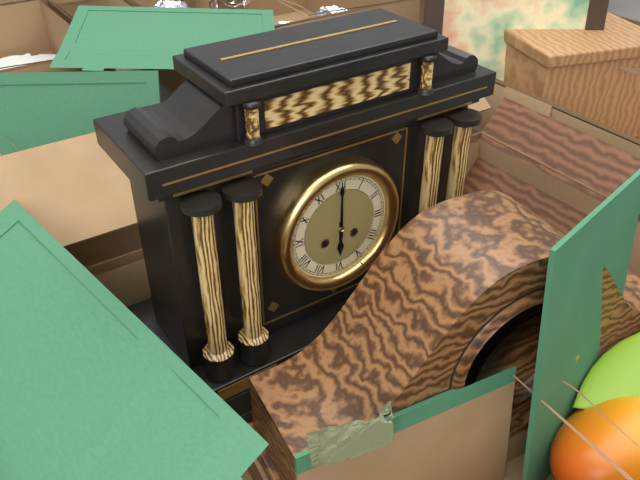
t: 6:00
